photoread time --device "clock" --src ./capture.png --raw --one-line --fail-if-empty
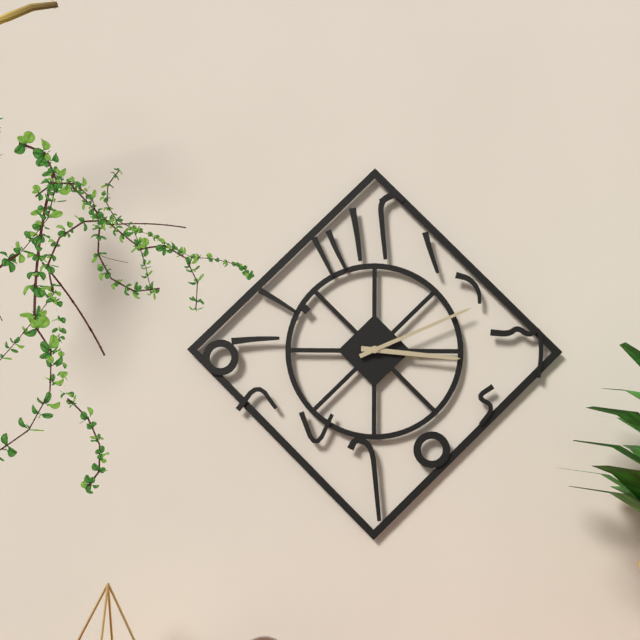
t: 3:11
